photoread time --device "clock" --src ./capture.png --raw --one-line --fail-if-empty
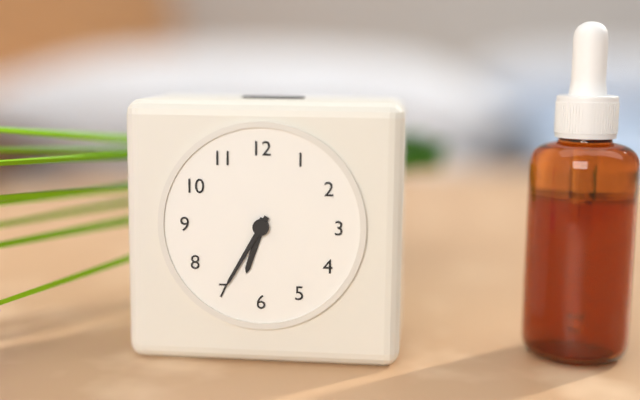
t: 6:35
